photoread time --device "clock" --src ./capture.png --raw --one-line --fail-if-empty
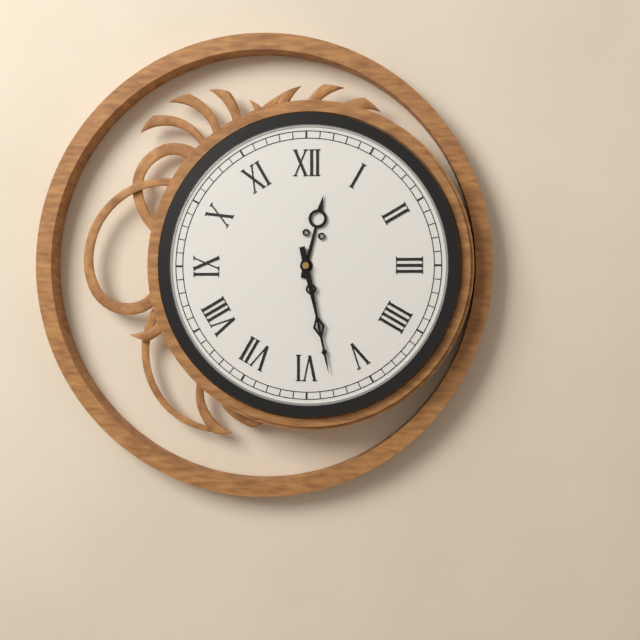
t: 12:28
